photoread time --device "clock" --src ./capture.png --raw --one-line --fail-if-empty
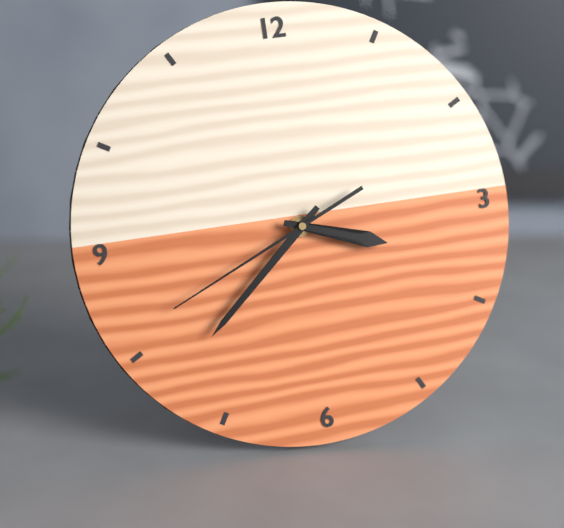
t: 3:38:41
